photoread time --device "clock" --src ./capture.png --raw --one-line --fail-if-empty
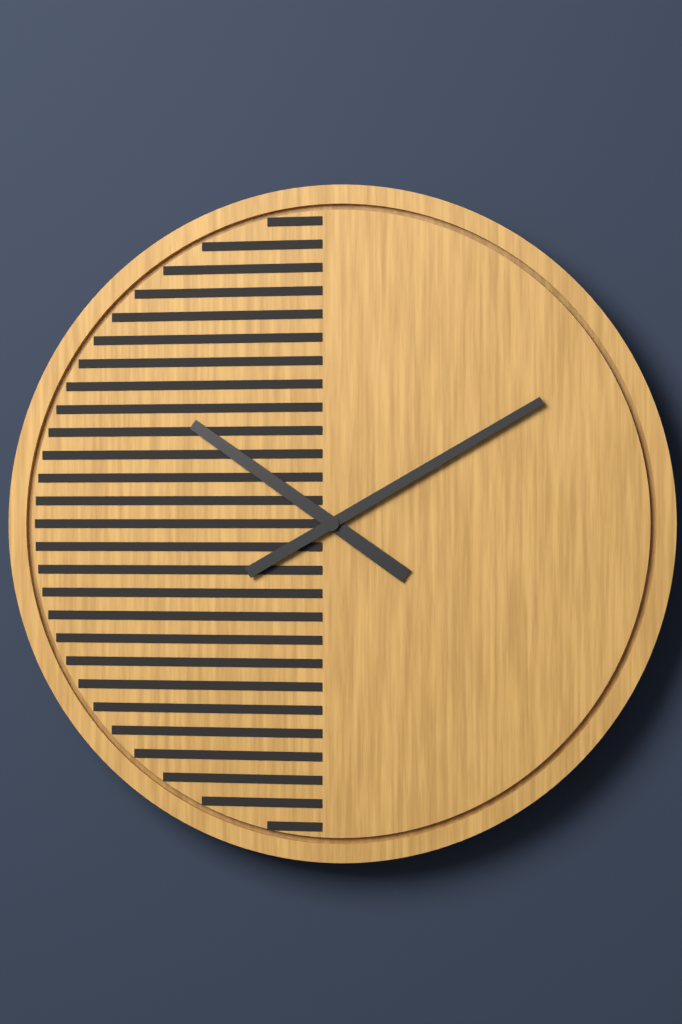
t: 10:10
